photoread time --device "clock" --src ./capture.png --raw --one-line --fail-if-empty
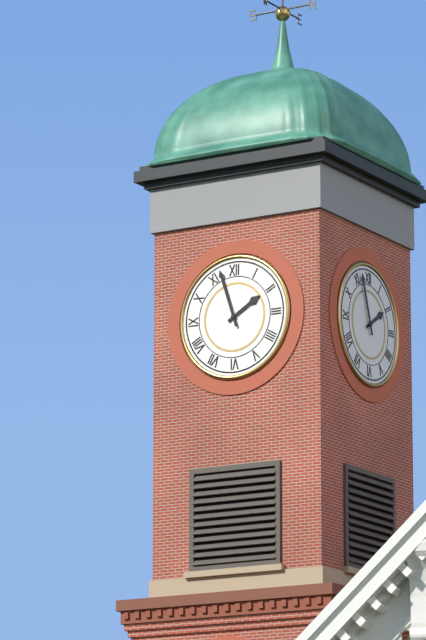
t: 1:57
